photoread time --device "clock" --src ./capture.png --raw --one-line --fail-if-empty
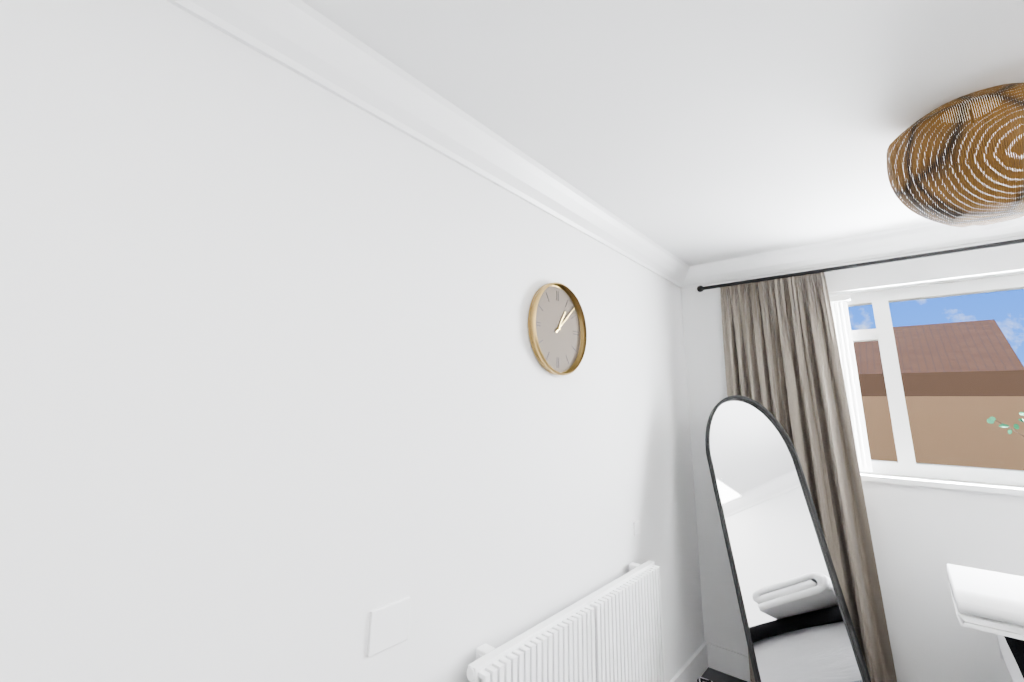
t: 1:08
